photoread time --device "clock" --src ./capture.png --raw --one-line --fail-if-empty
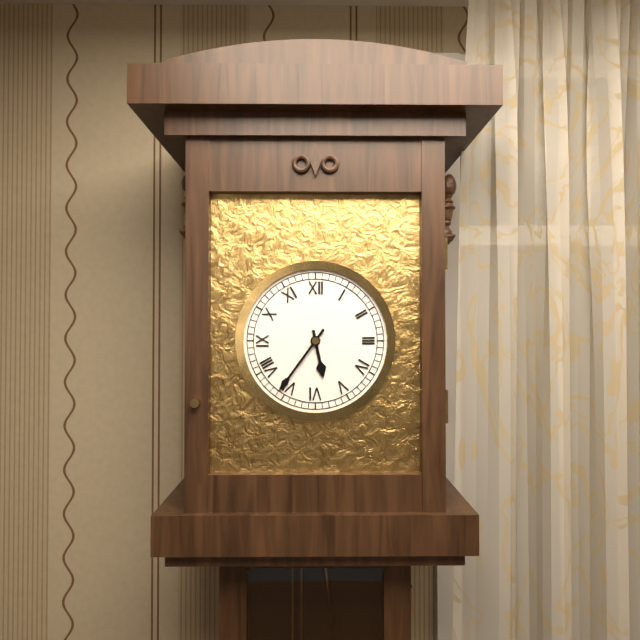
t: 5:36
